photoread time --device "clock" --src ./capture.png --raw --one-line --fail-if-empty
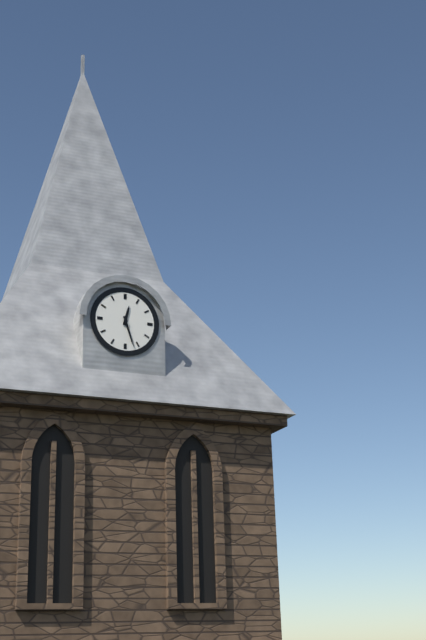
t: 12:27
